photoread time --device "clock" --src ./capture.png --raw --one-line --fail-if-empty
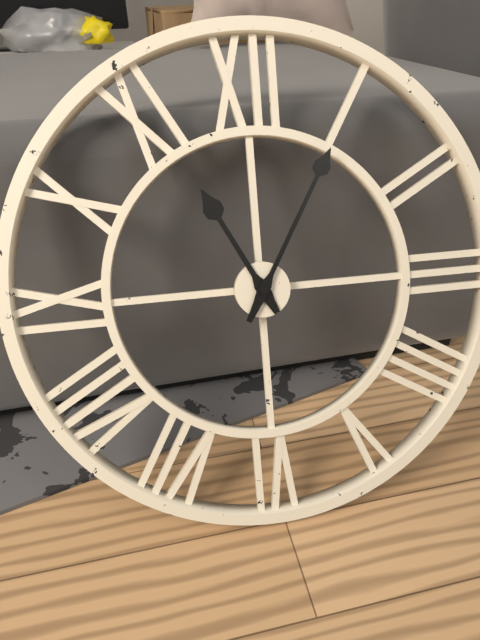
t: 11:05
